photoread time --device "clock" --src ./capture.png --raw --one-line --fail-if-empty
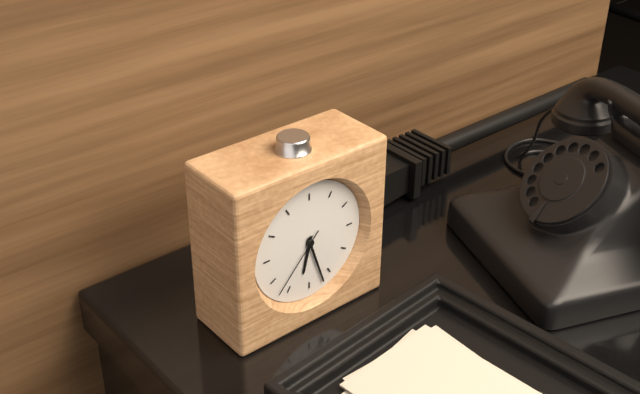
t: 6:27:37
